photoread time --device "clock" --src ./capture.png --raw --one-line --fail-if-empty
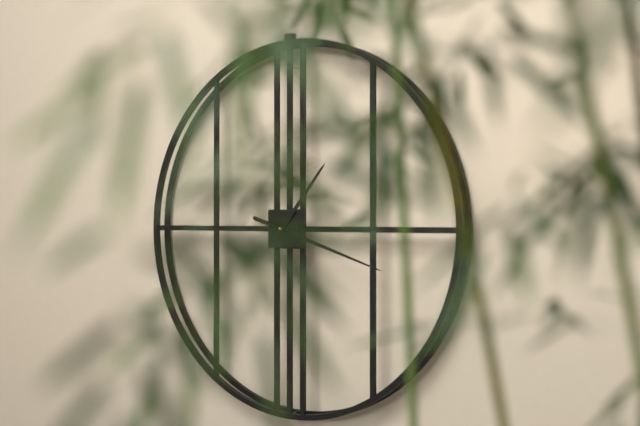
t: 1:18
